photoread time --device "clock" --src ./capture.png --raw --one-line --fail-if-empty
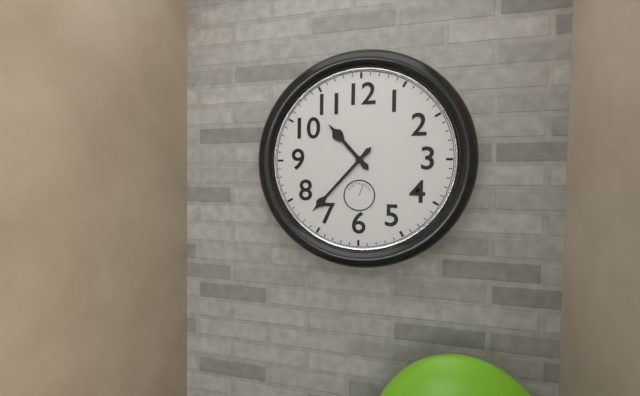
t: 10:37
